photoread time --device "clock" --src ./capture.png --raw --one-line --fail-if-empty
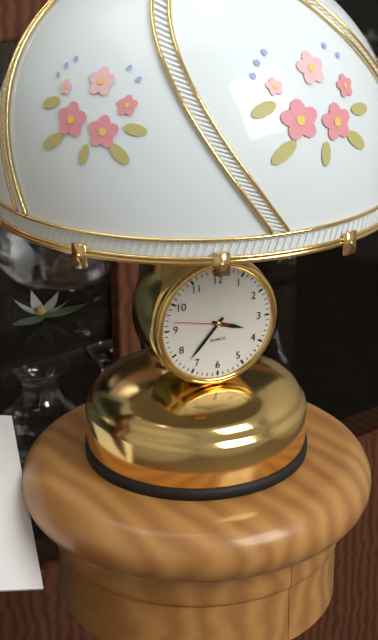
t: 3:37:47
